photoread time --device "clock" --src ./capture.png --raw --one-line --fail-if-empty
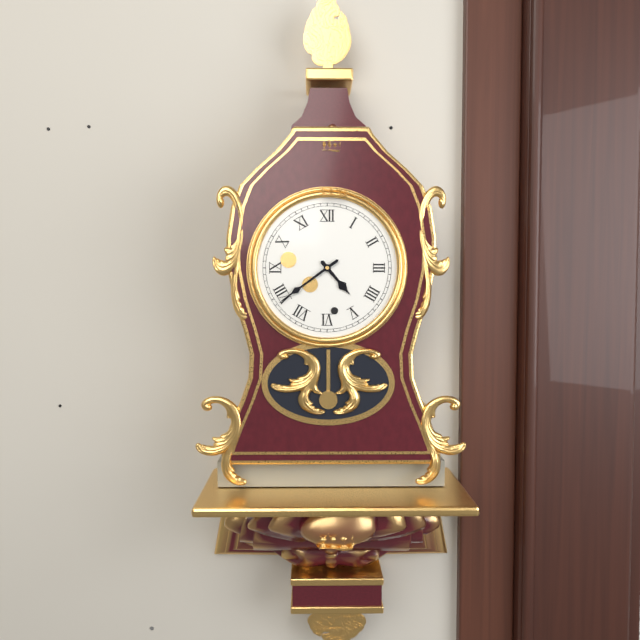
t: 4:39
